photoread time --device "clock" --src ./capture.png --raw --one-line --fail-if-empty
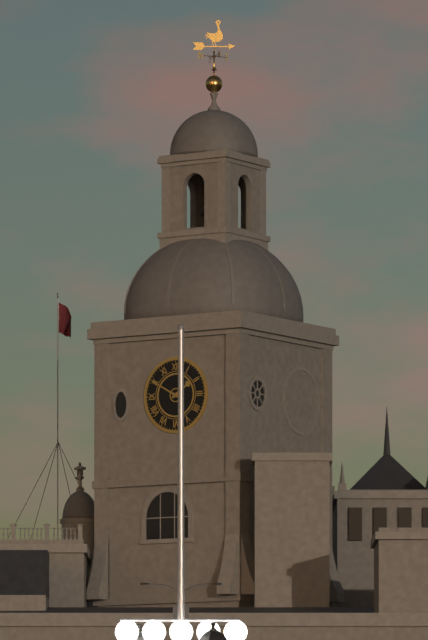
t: 1:50
